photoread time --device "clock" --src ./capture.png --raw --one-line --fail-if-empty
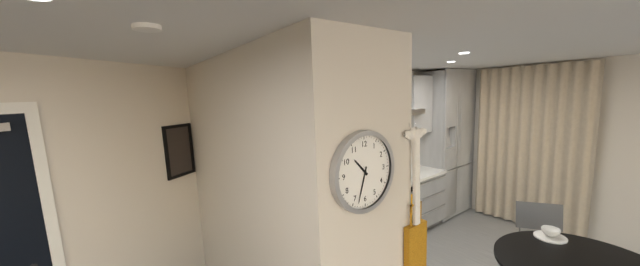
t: 10:33
